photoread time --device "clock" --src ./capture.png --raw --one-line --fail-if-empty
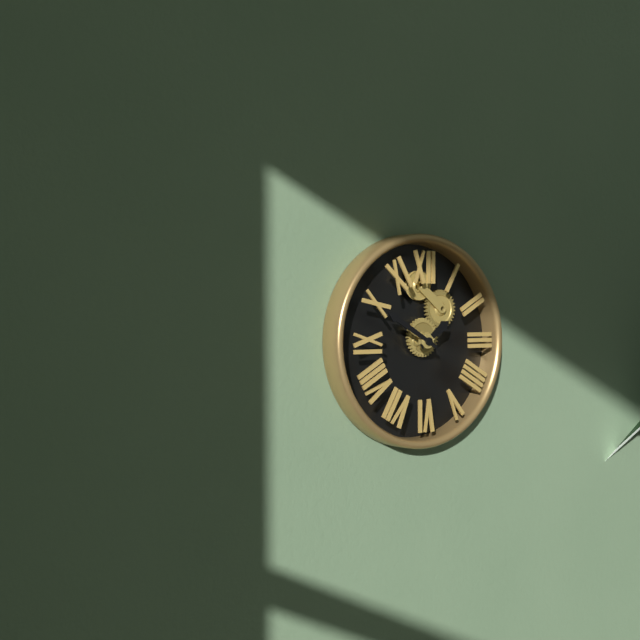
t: 1:50
